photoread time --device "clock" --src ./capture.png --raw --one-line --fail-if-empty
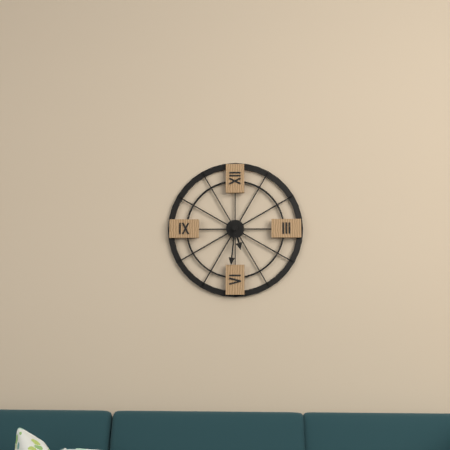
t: 5:31
